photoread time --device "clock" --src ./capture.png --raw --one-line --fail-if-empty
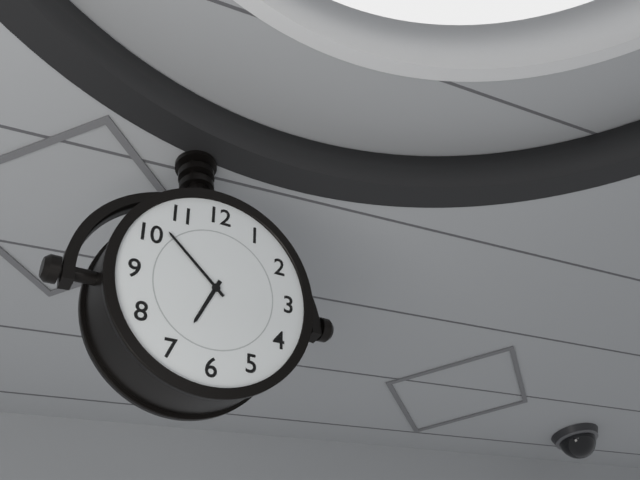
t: 6:52
